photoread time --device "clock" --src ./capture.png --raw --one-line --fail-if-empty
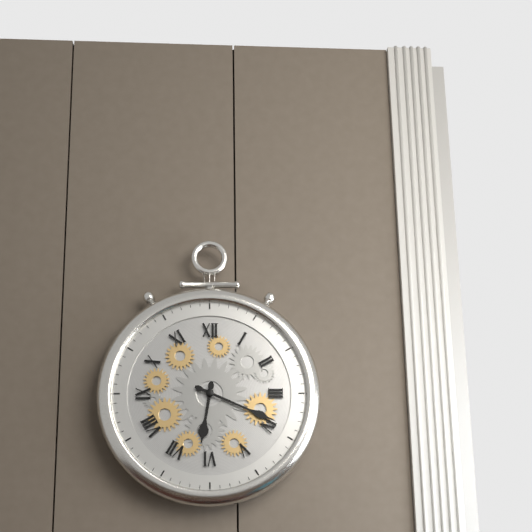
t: 6:19
